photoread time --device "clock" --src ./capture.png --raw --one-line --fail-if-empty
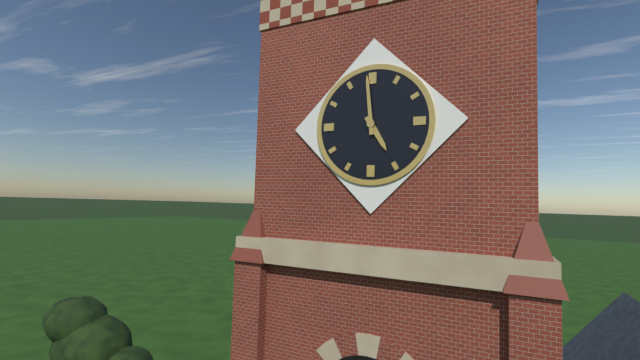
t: 4:59
